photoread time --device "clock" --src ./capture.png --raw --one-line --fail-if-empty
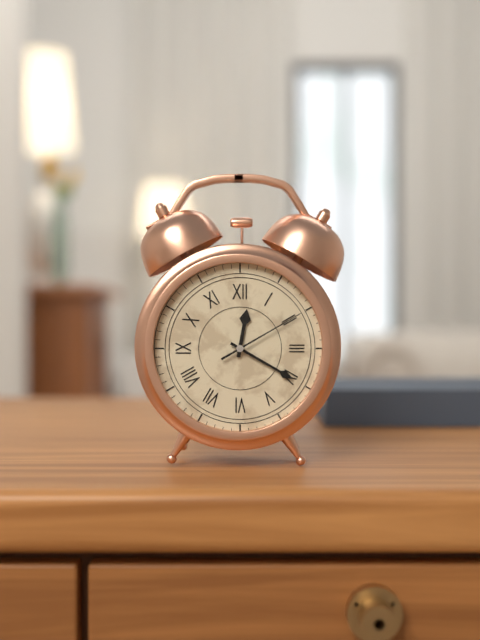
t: 12:20:10
